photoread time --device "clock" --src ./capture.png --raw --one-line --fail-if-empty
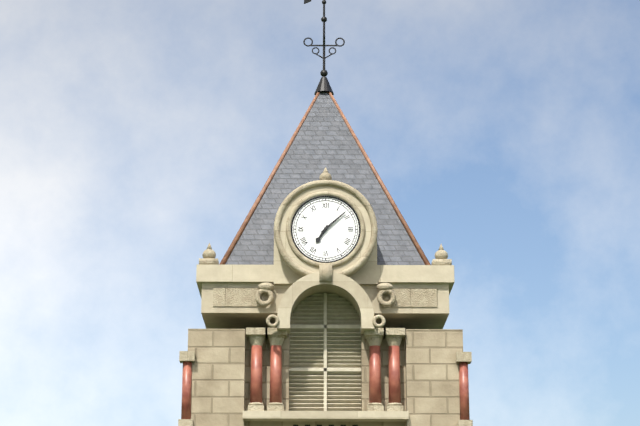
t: 7:08
